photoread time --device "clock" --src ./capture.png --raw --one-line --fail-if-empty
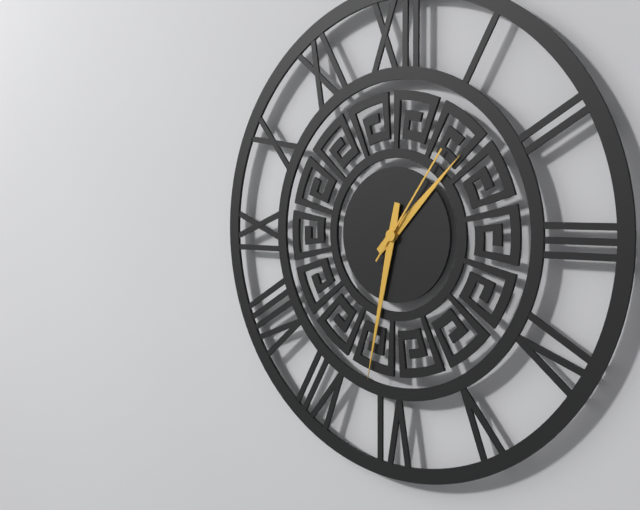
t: 1:32:06
